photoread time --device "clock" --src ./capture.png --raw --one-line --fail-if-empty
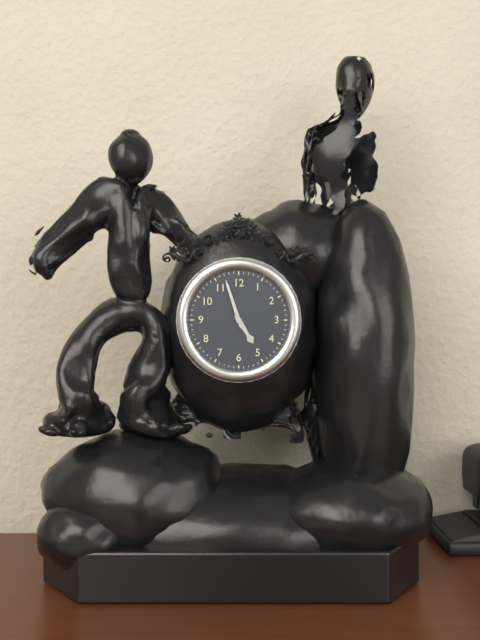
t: 4:57
